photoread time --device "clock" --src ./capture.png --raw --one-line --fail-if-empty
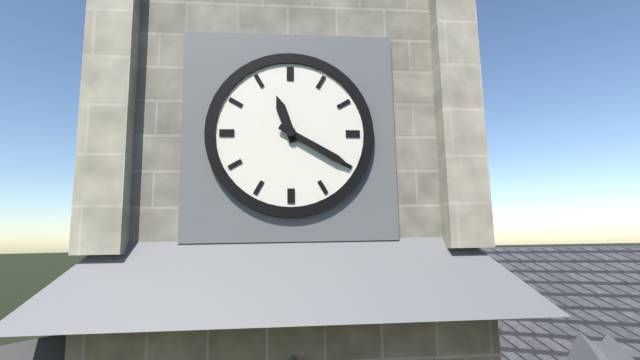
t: 11:20
